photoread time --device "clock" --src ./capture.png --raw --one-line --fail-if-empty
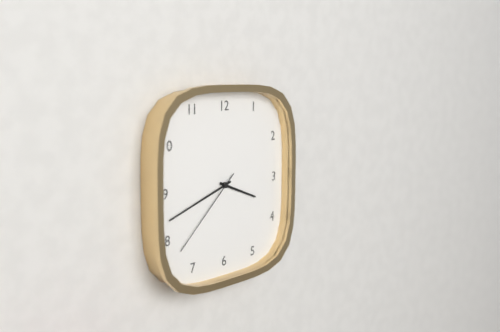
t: 3:42:38
